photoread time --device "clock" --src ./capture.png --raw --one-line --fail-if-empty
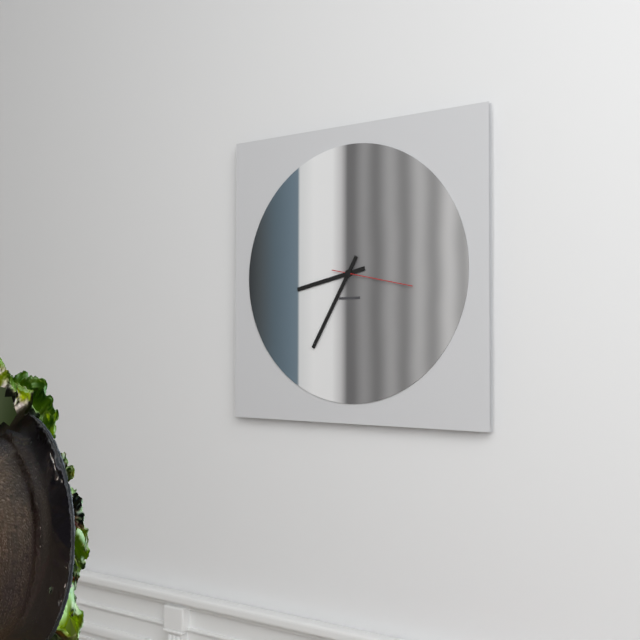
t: 8:35:17
